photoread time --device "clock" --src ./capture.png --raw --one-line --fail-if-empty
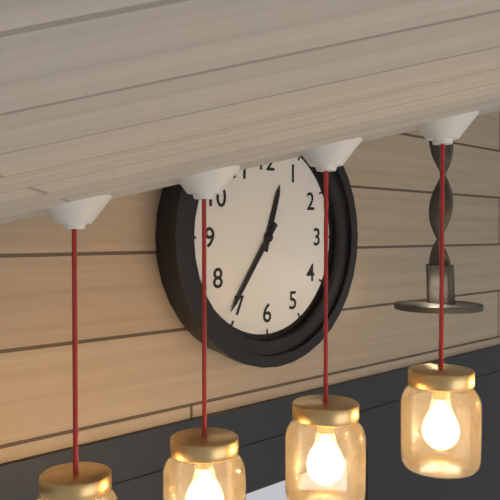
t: 12:36
